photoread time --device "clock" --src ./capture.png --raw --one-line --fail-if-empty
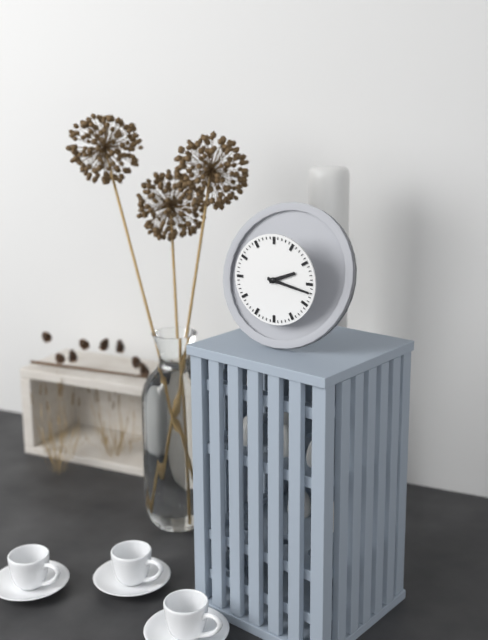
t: 2:17
